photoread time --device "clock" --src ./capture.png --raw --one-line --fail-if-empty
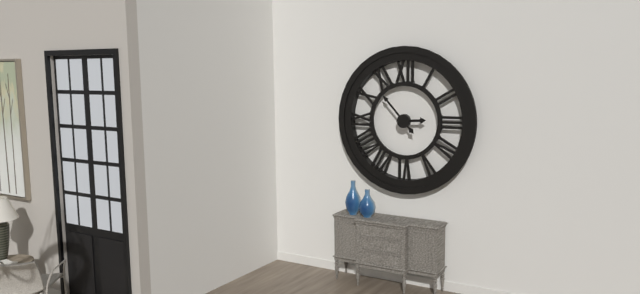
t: 2:53
